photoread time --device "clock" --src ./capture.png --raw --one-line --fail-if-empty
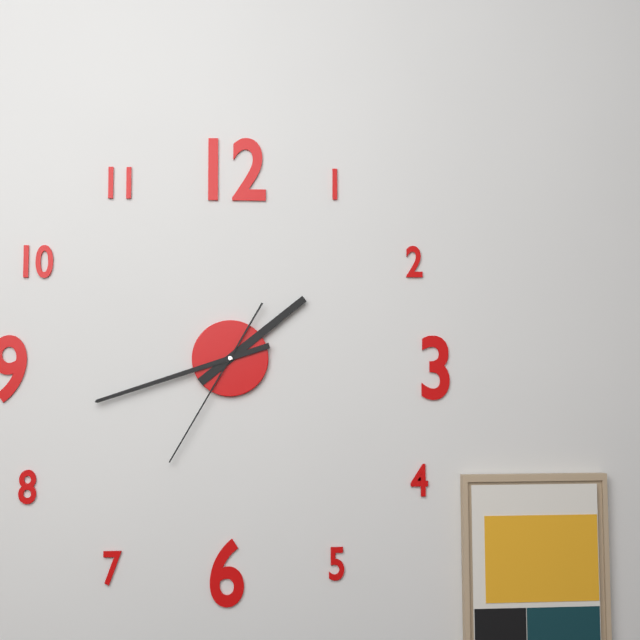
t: 1:42:35
